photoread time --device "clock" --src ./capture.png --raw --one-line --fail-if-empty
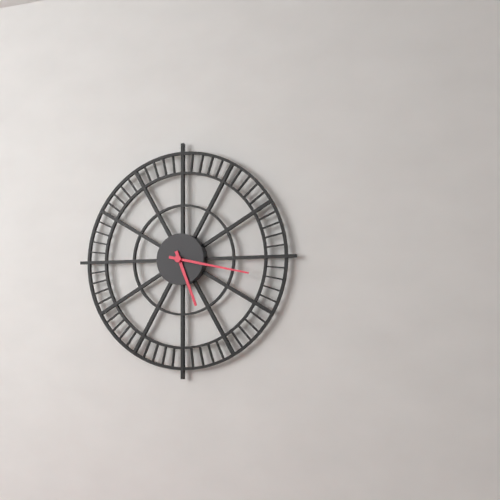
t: 5:17
